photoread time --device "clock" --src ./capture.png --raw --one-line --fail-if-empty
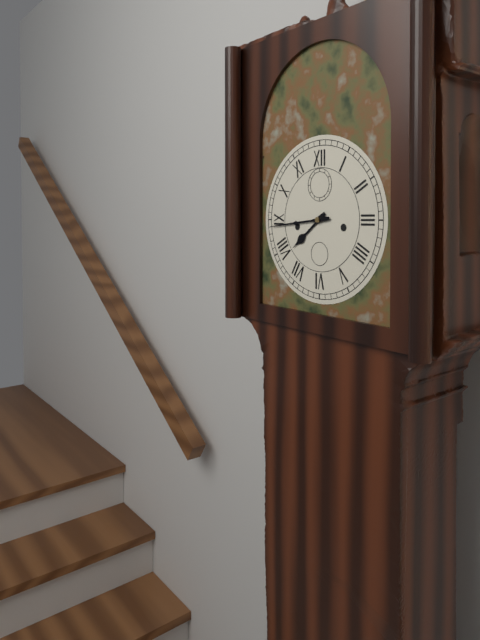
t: 7:44
